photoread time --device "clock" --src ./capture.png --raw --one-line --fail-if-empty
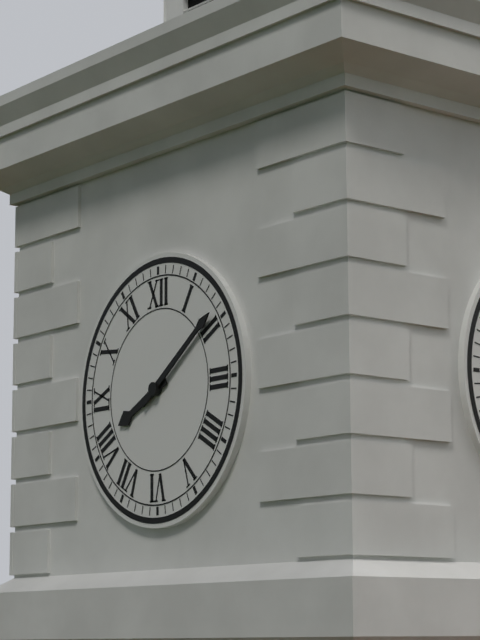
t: 8:09
